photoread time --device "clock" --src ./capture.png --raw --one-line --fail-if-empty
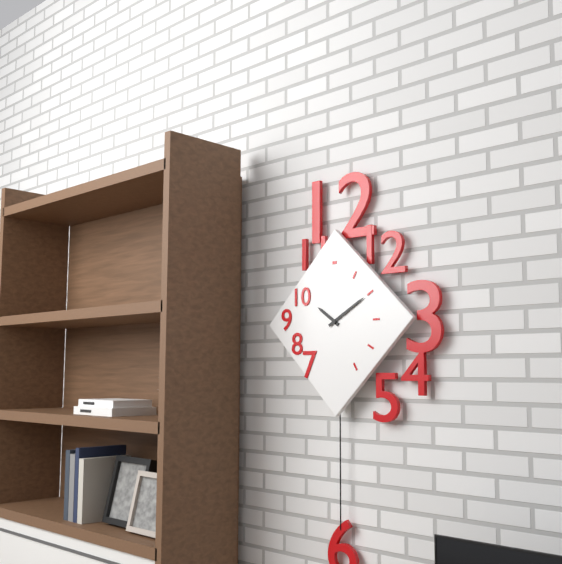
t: 10:10
